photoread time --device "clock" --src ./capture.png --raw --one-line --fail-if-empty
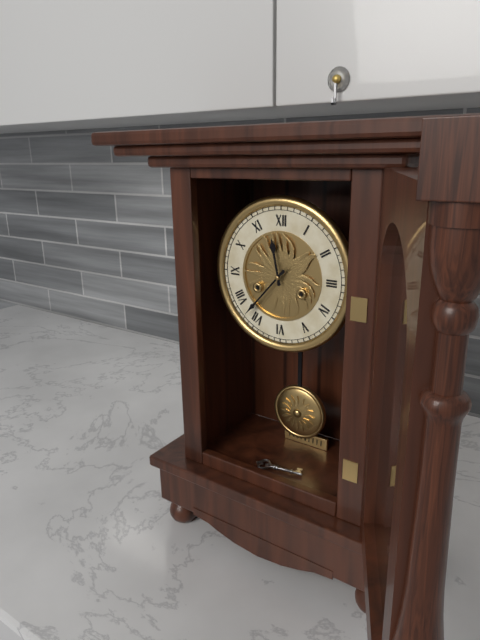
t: 11:37
